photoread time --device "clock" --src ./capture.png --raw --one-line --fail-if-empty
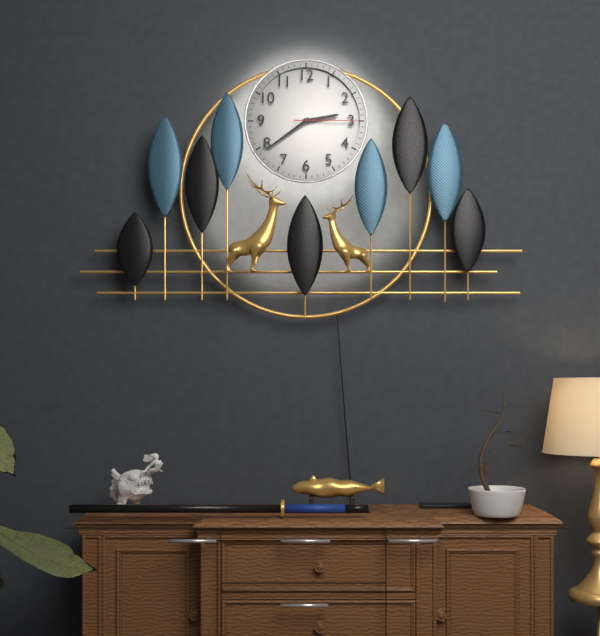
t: 2:39:15
